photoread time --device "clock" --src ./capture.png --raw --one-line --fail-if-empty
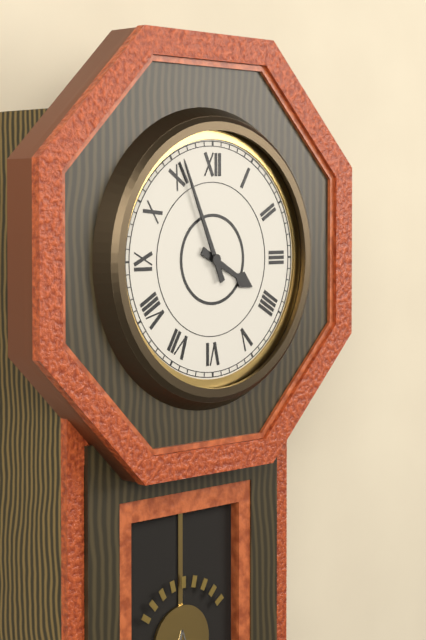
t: 3:56
